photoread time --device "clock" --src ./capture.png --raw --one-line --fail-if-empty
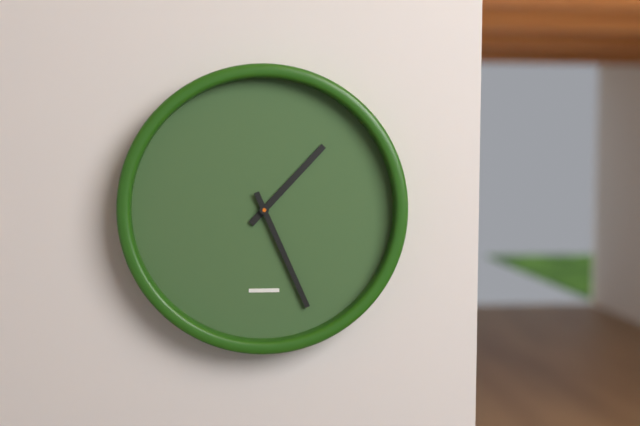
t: 1:26
